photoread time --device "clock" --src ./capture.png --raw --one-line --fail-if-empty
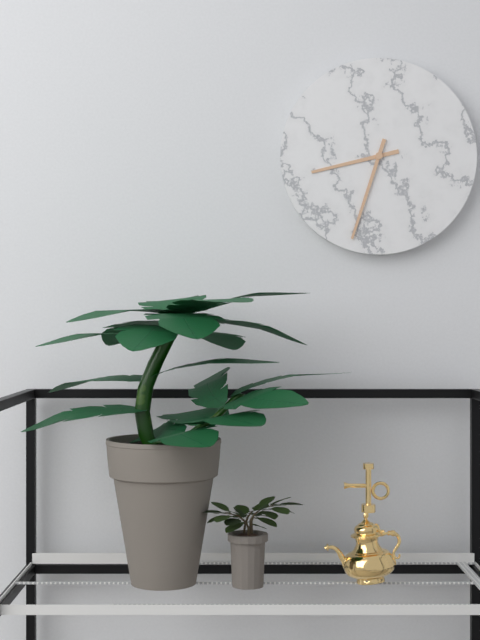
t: 8:33
